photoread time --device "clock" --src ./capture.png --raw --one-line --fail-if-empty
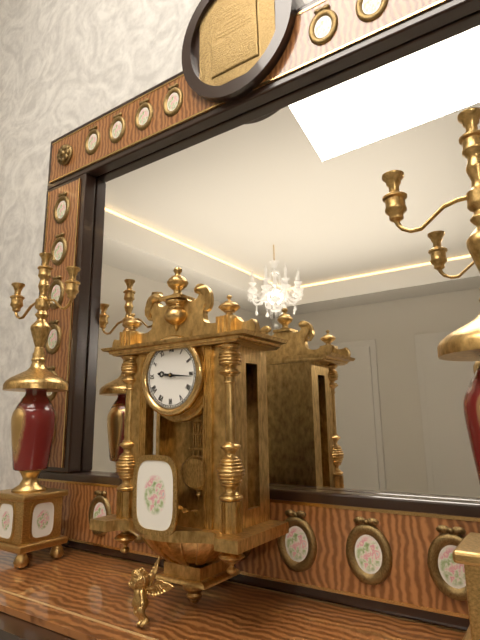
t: 9:16
